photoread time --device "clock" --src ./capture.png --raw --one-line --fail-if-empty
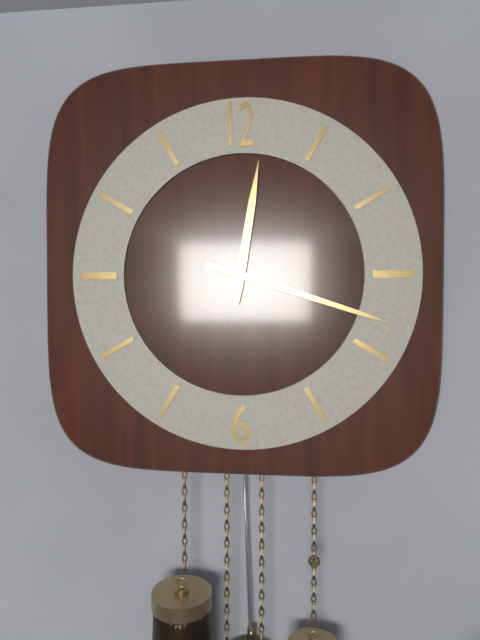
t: 12:18
